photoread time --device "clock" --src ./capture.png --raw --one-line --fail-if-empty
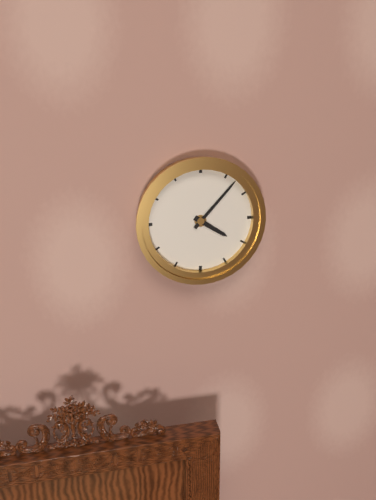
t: 4:07
